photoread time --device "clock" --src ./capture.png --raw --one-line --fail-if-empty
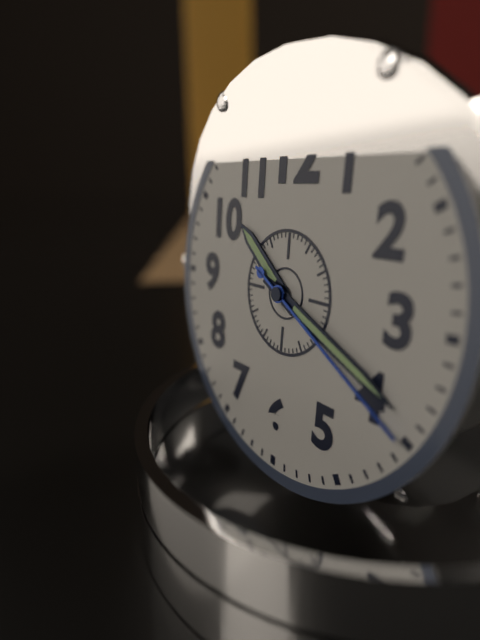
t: 10:19:20
